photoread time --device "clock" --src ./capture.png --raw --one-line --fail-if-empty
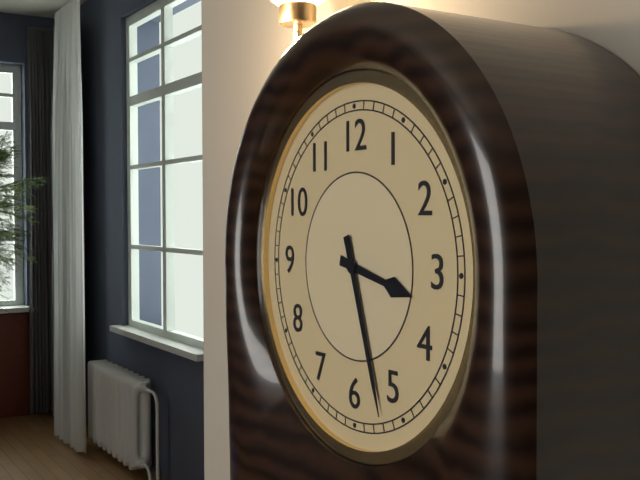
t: 3:27
